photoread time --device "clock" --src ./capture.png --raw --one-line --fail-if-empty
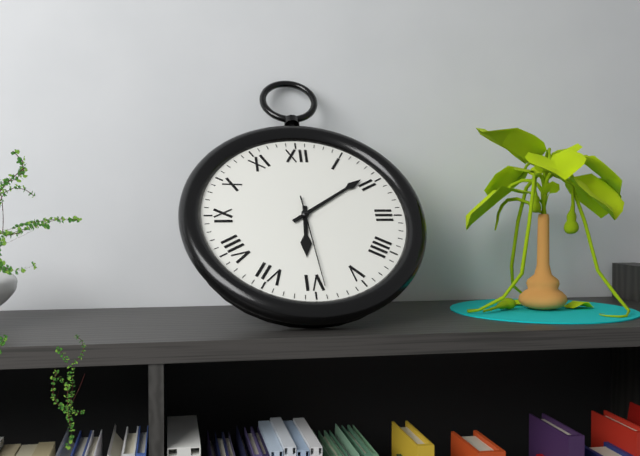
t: 6:09:29
